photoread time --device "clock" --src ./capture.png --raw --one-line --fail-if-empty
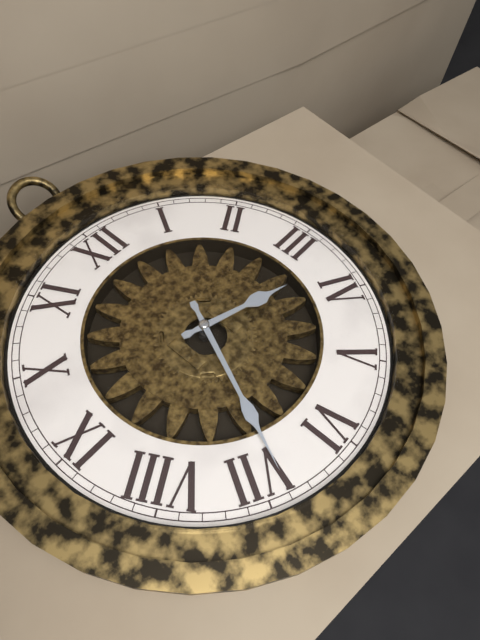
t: 3:34
